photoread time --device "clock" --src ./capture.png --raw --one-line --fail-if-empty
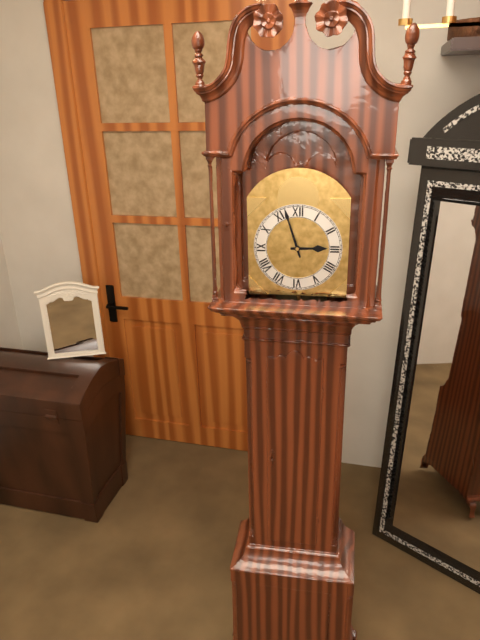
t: 2:57
